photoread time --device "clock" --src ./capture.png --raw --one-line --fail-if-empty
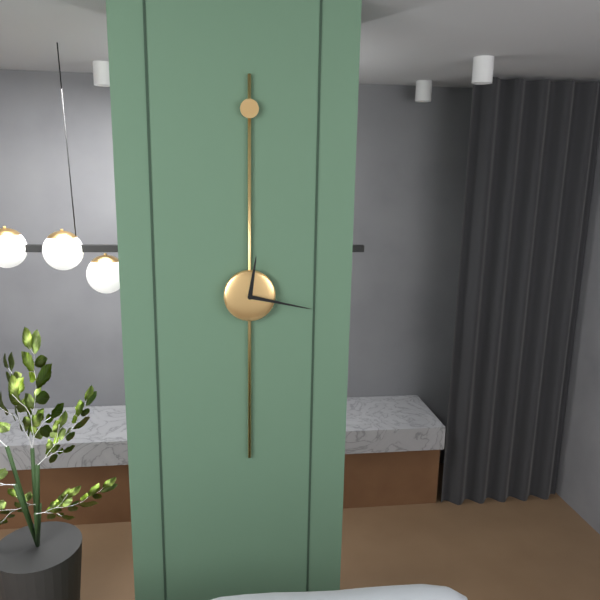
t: 12:17
